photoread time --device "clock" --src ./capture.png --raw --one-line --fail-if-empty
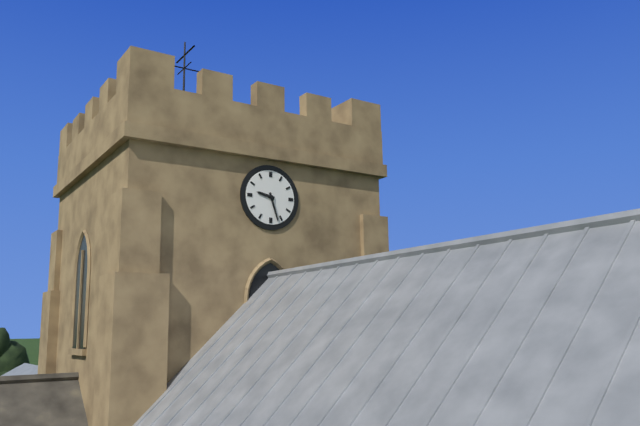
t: 9:27
